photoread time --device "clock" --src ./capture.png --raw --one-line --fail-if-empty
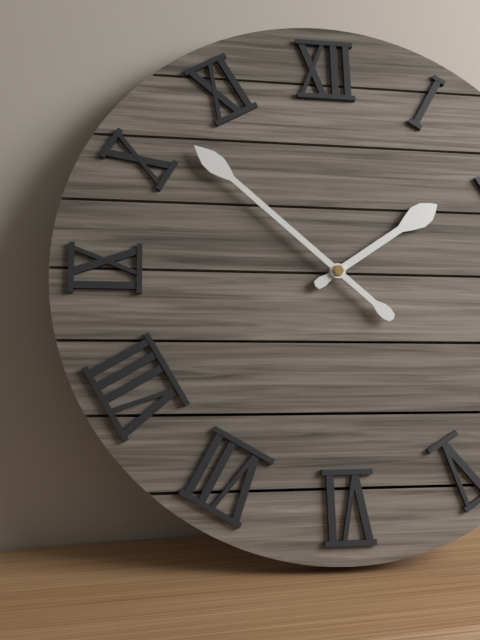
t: 1:52
